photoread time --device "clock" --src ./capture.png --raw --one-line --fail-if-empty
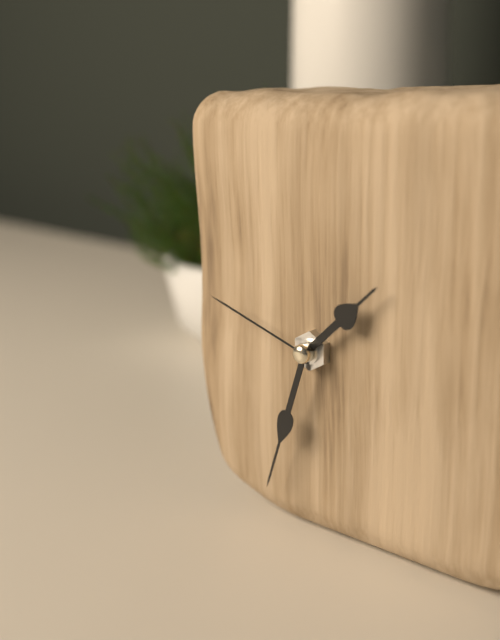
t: 1:33:48
